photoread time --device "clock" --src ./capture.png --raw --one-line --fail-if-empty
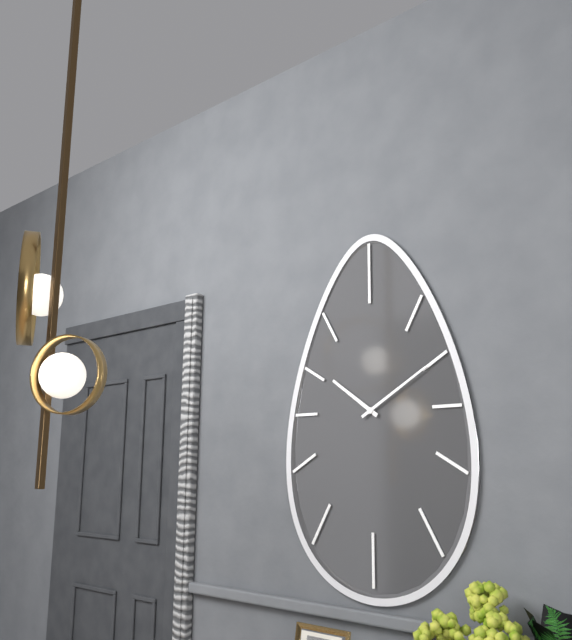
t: 10:10
